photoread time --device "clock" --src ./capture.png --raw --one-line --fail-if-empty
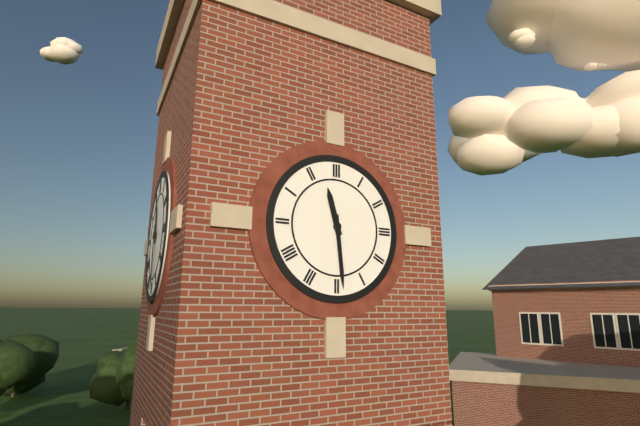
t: 11:29
